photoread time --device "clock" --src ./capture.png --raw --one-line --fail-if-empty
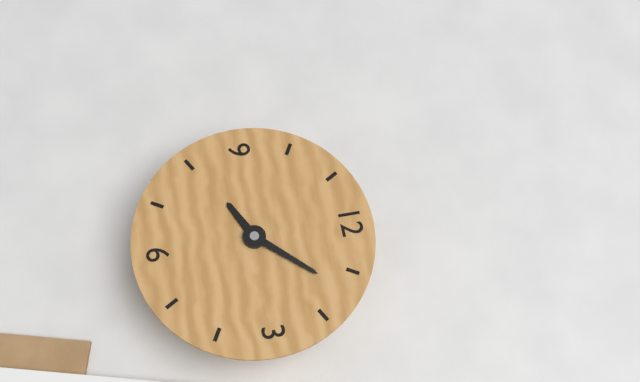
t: 8:07
